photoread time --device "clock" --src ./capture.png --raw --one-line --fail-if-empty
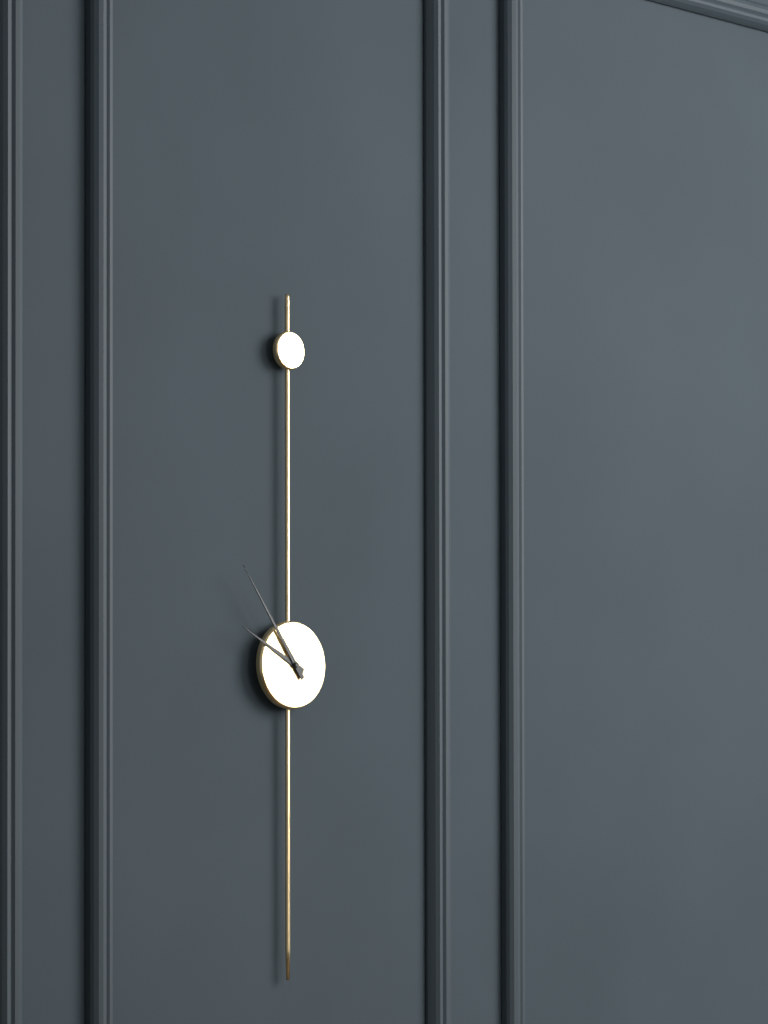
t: 9:54
